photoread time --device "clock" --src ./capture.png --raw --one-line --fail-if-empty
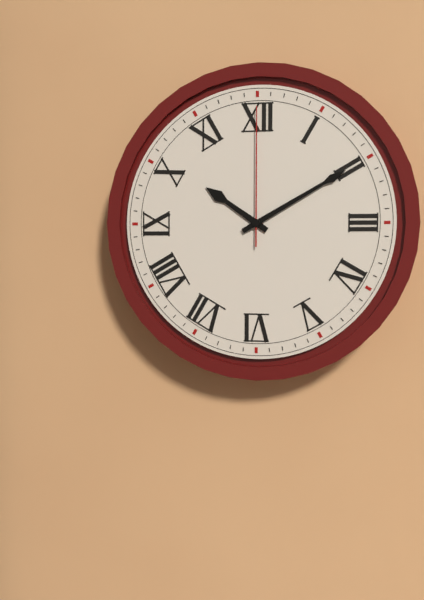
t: 10:10:00
